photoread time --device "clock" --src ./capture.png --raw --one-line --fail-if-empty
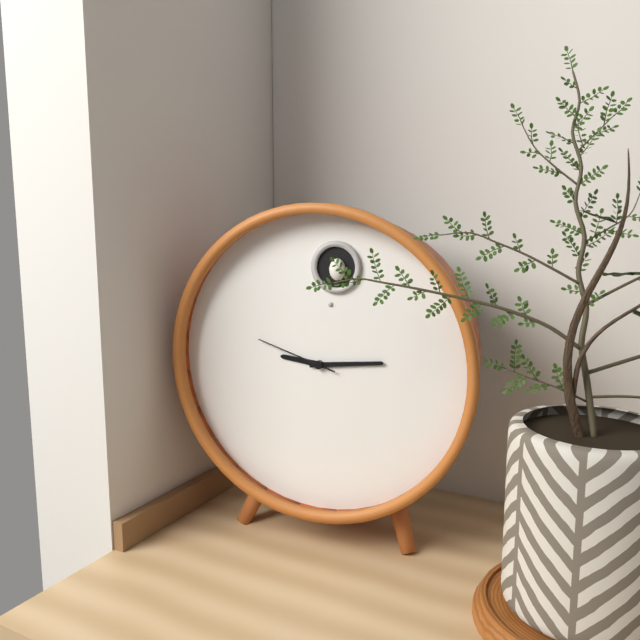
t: 9:14:48
